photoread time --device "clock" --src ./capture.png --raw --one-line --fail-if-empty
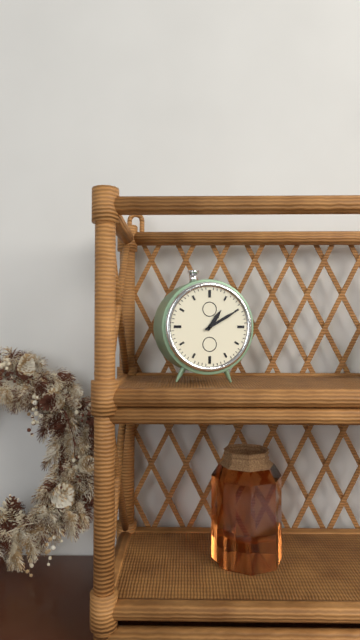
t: 1:10
